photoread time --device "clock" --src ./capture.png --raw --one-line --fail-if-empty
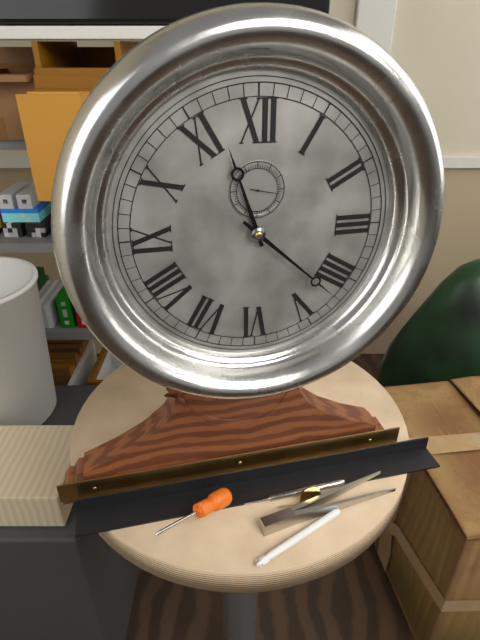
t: 11:22
